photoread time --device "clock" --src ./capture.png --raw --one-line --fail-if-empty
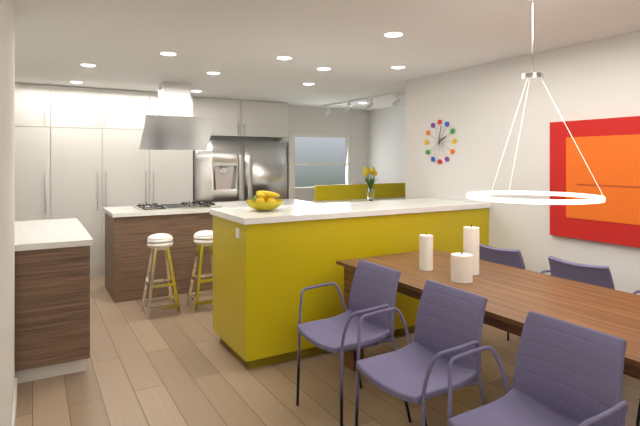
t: 2:02
